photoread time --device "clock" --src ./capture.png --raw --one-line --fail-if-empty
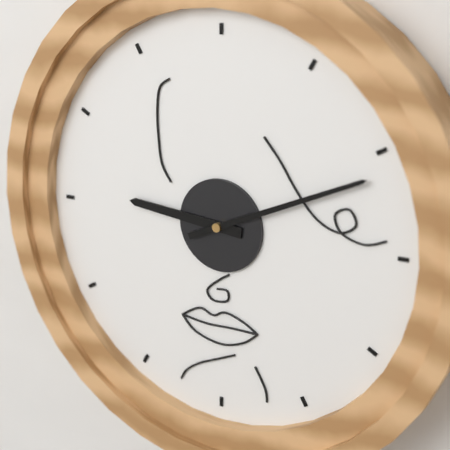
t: 9:11
